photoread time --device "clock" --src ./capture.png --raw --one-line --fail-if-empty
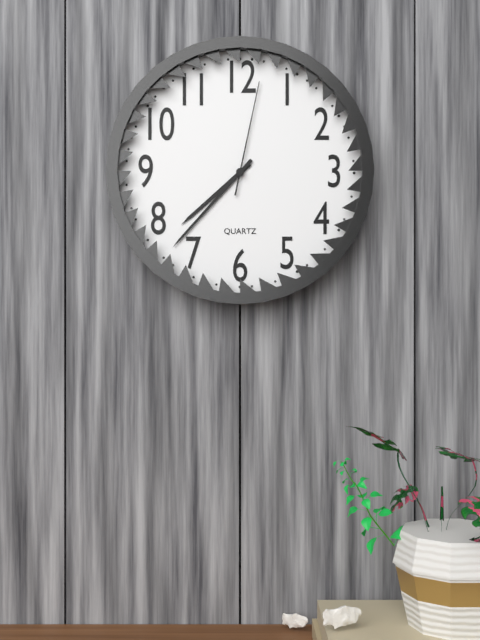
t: 7:37:02
